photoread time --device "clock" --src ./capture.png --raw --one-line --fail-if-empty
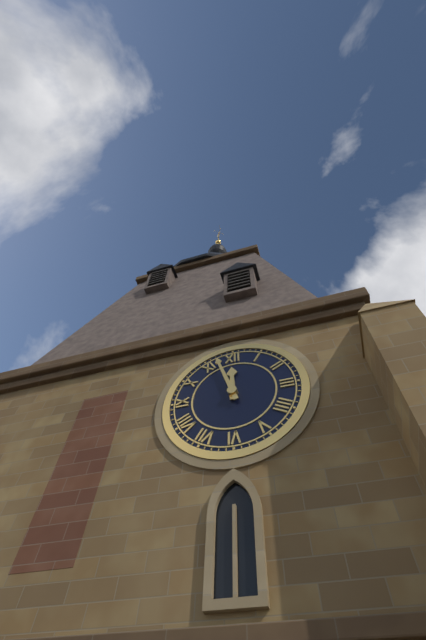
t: 11:57
